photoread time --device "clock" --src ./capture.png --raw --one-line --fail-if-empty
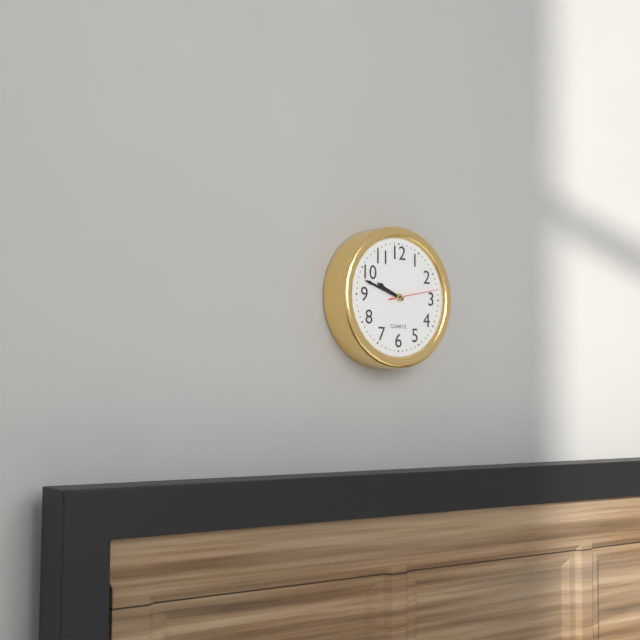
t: 9:48
